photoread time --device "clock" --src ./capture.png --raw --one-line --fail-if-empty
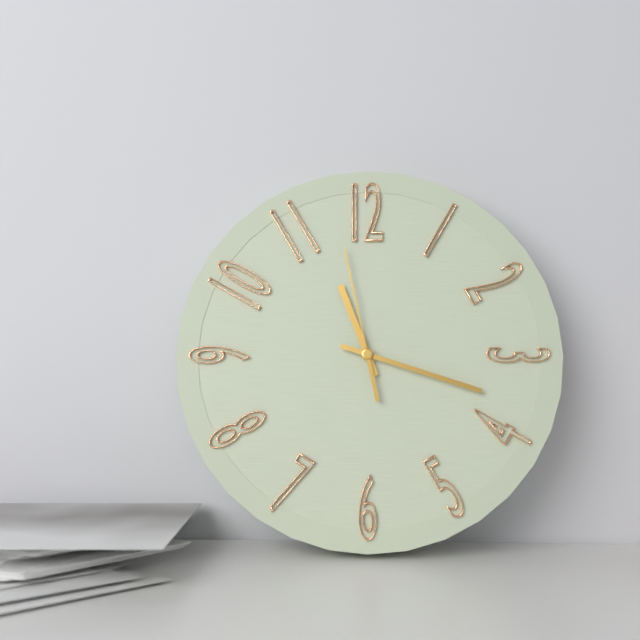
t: 11:18:58
